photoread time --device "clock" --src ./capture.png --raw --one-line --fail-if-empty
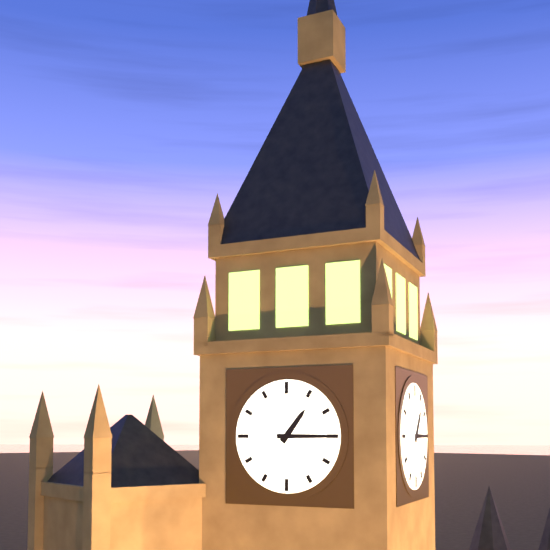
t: 1:15
